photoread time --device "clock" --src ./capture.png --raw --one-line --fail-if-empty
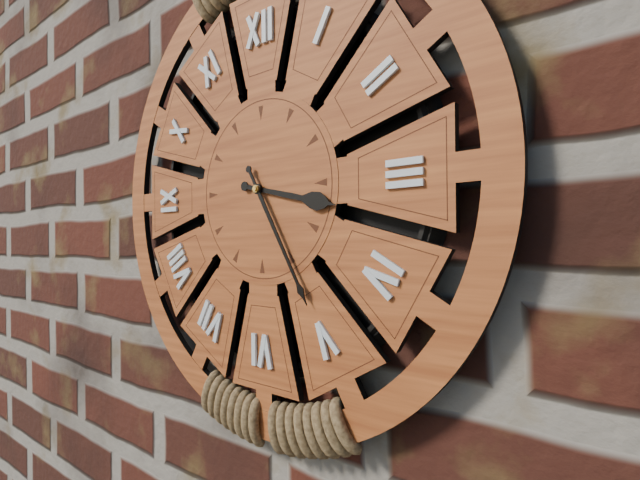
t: 3:25
